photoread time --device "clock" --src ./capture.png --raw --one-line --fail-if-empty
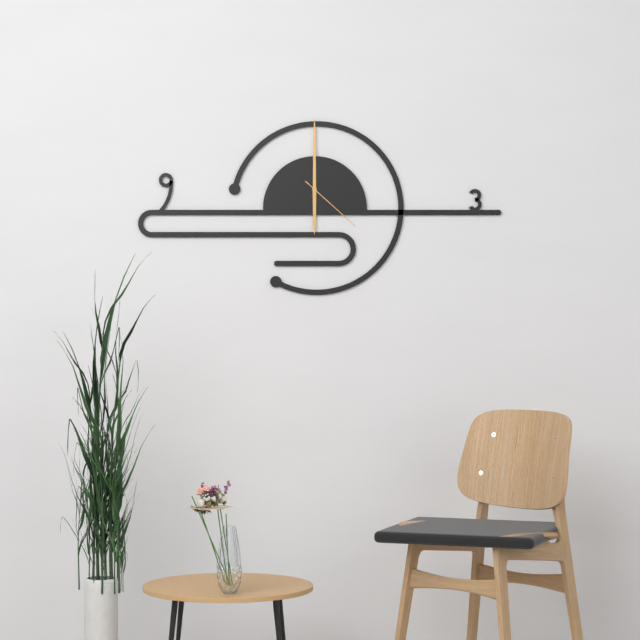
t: 6:00:22
